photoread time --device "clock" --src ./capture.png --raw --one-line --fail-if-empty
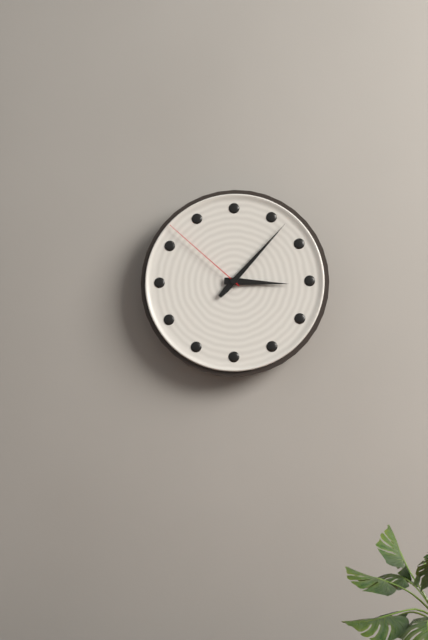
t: 3:07:52
